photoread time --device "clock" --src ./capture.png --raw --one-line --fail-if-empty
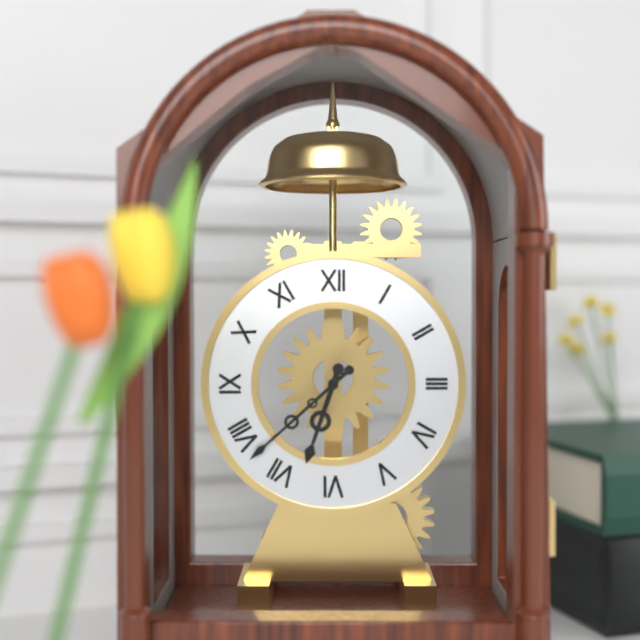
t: 6:38
